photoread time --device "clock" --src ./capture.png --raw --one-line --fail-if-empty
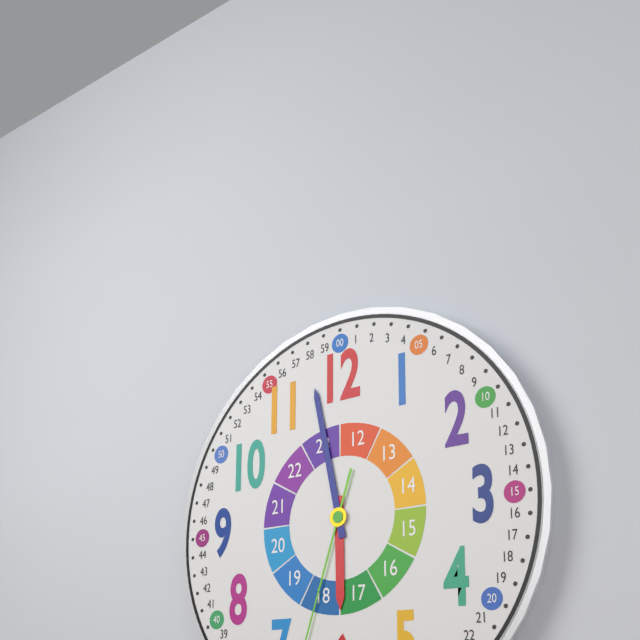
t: 5:58
